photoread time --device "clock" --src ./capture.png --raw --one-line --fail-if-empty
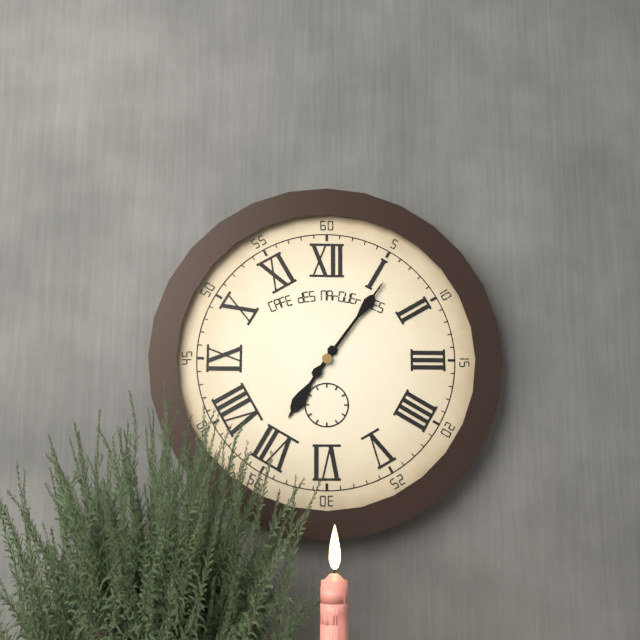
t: 7:06
